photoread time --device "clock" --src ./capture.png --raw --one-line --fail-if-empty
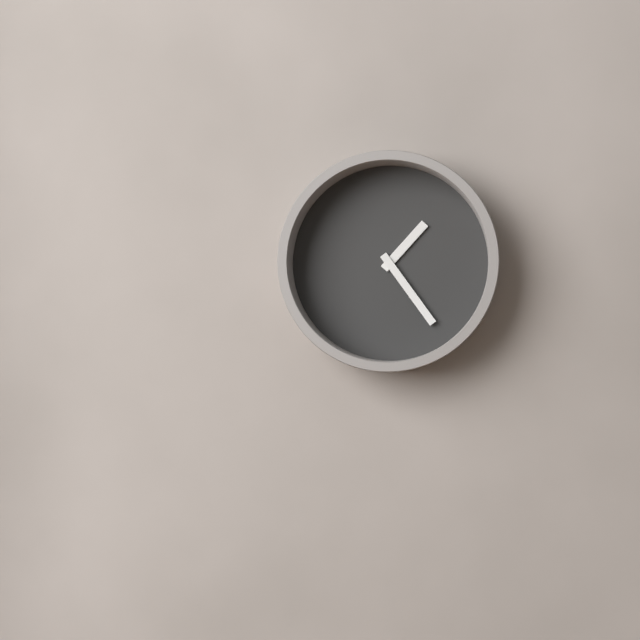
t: 1:24
